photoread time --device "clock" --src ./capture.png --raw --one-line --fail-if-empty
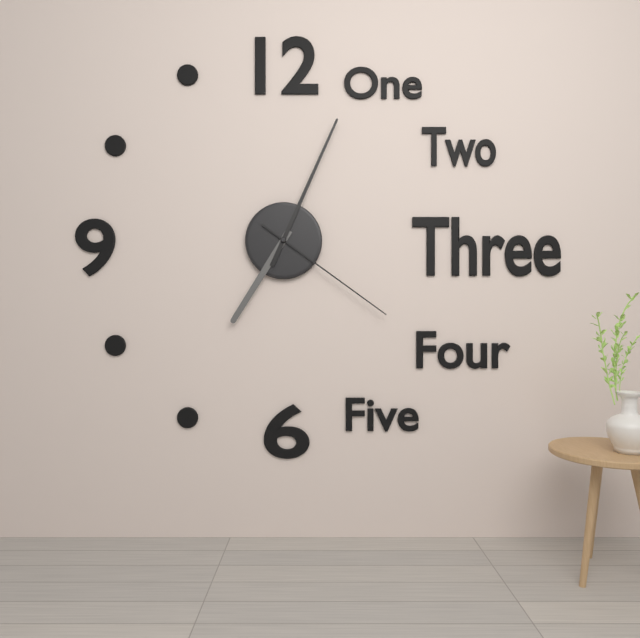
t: 7:04:21
